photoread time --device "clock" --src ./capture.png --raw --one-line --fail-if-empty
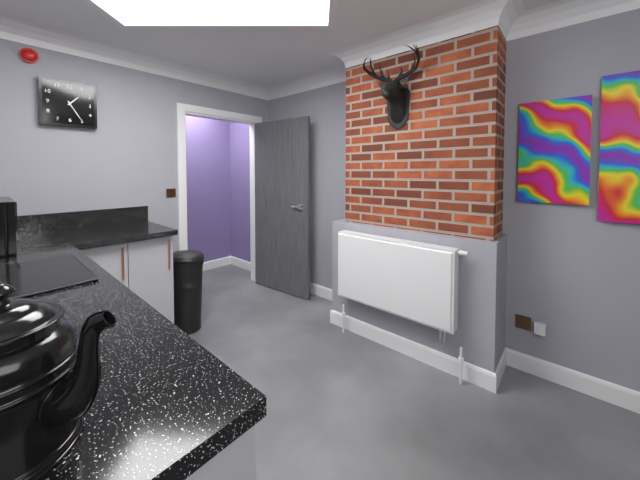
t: 1:25
